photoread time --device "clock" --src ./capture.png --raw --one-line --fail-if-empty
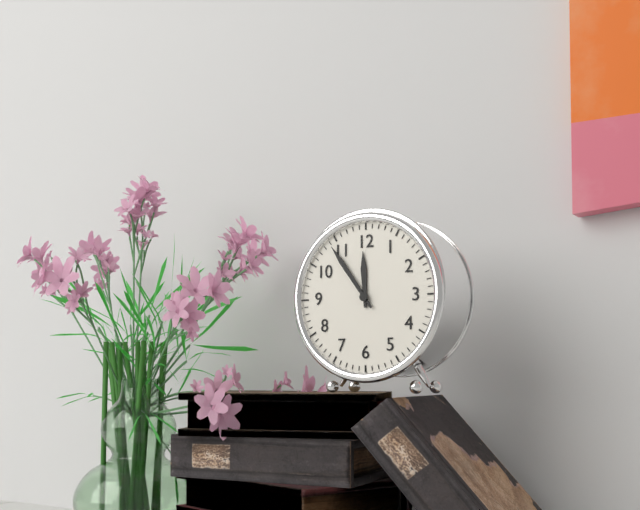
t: 11:54
